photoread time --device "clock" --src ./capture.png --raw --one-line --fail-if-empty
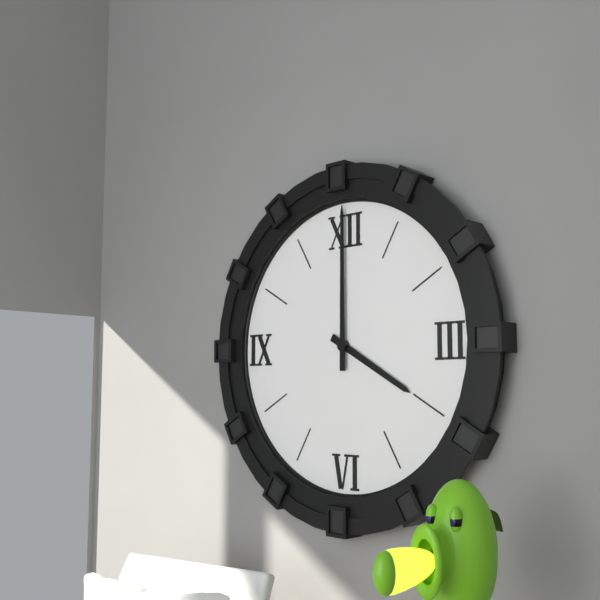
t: 4:00
